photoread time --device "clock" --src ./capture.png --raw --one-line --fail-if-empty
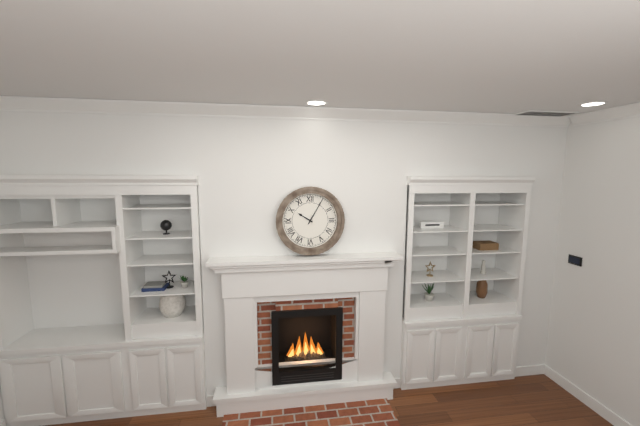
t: 10:05
